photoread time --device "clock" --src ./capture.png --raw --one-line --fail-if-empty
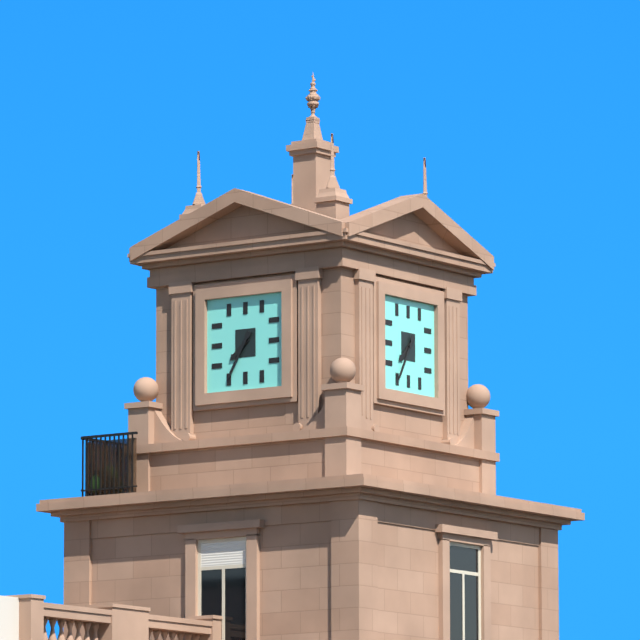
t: 7:35
